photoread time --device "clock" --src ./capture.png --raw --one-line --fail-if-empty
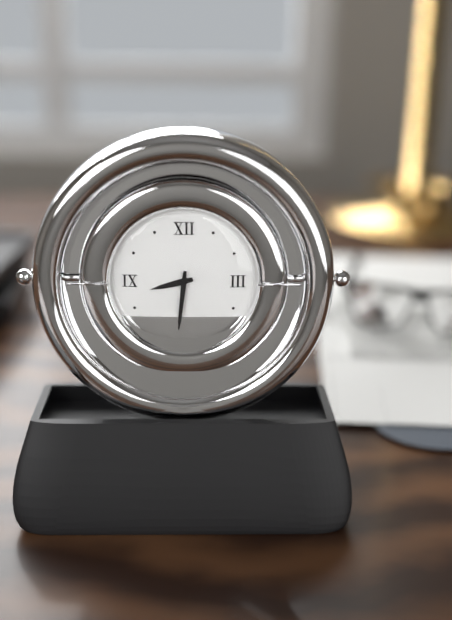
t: 8:31
